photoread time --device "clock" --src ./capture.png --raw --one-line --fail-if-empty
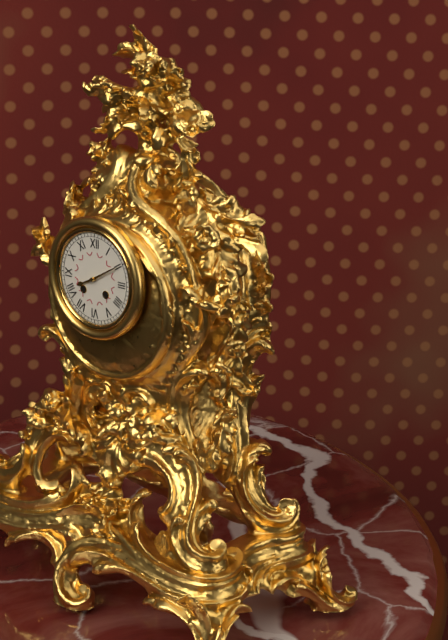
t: 8:10
